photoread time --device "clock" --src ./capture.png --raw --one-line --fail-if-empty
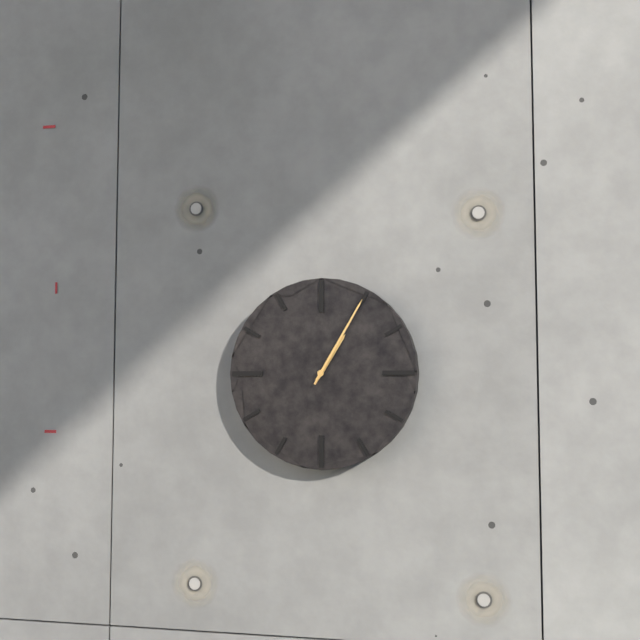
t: 1:05
